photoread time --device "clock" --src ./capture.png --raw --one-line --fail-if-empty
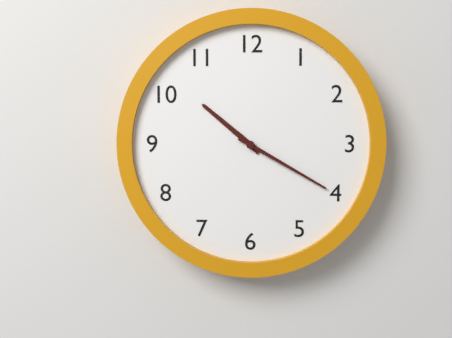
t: 10:20
